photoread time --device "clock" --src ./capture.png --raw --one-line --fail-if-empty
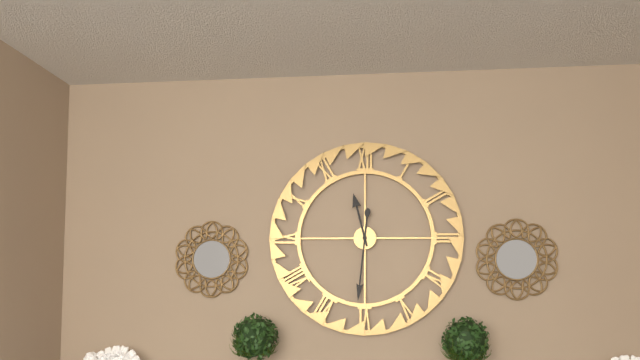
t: 11:31
